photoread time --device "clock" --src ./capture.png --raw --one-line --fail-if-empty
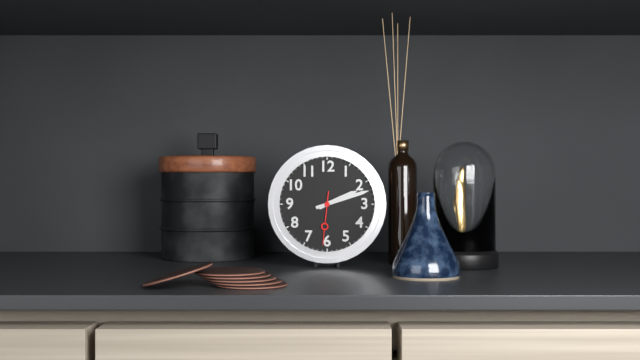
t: 2:12:31
